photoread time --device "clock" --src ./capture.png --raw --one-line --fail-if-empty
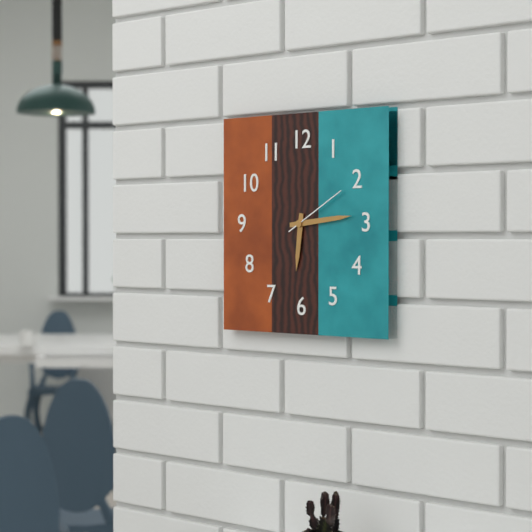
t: 6:14:10
